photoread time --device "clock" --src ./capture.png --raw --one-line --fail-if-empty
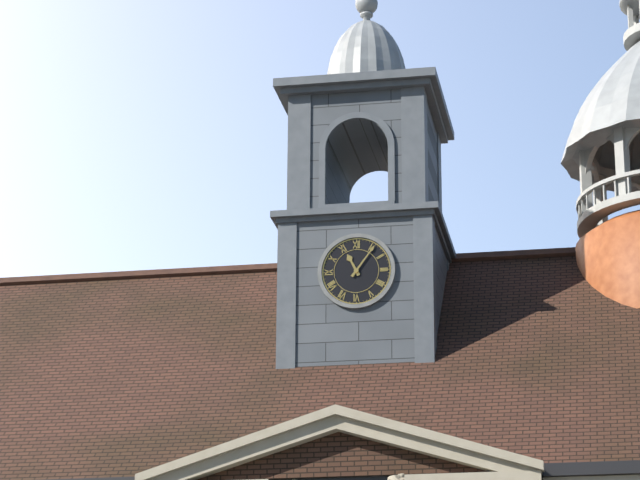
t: 11:06
